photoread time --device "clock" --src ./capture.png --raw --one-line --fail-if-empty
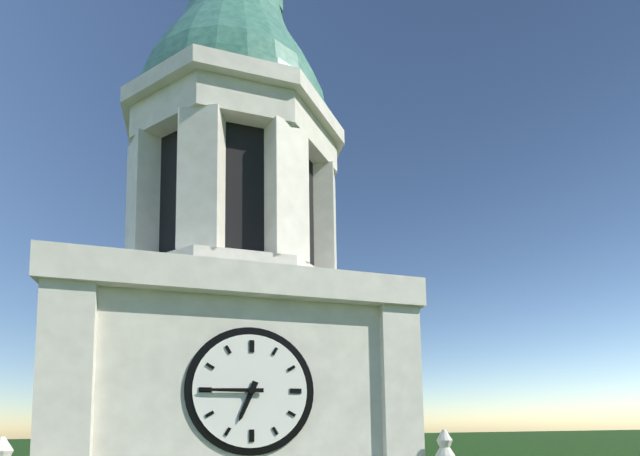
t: 6:45
